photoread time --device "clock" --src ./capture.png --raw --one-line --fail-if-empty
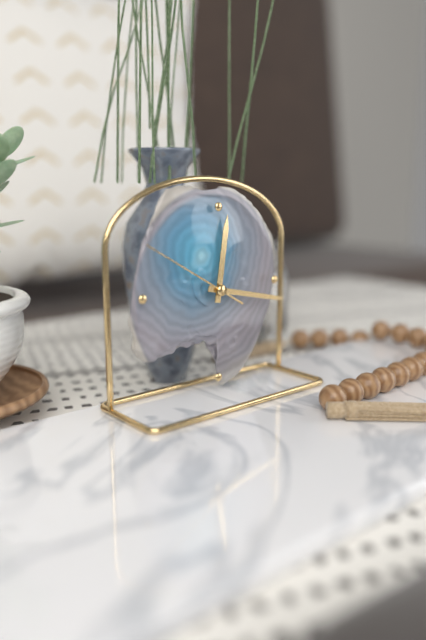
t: 12:17:50
